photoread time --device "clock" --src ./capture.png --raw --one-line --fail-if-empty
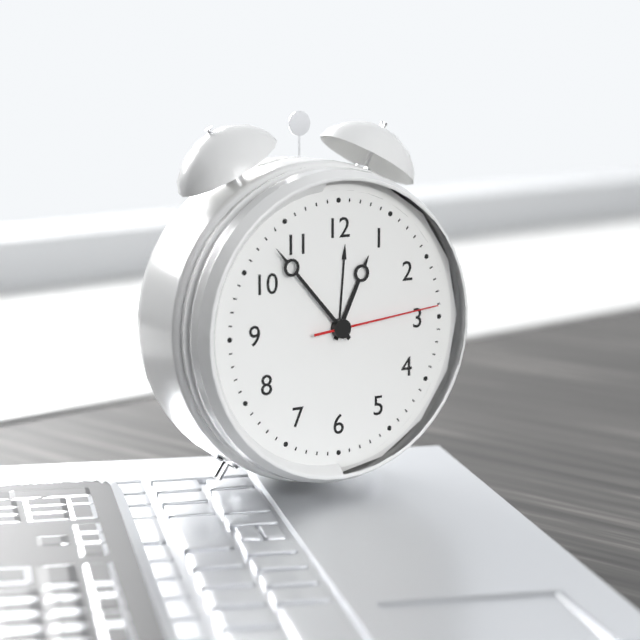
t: 12:53:14
